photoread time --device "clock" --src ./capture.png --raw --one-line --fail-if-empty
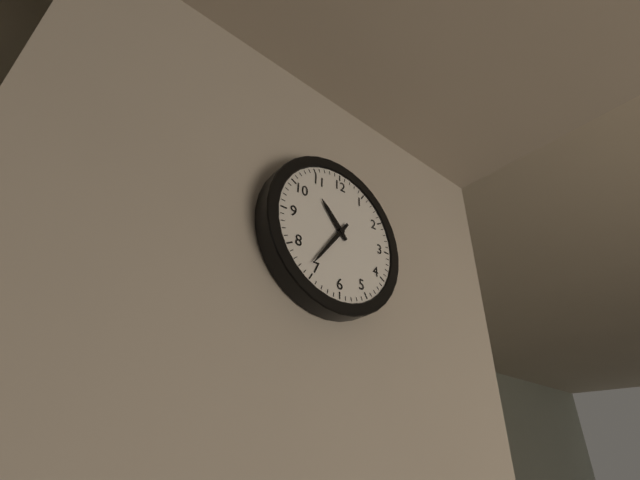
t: 10:36
